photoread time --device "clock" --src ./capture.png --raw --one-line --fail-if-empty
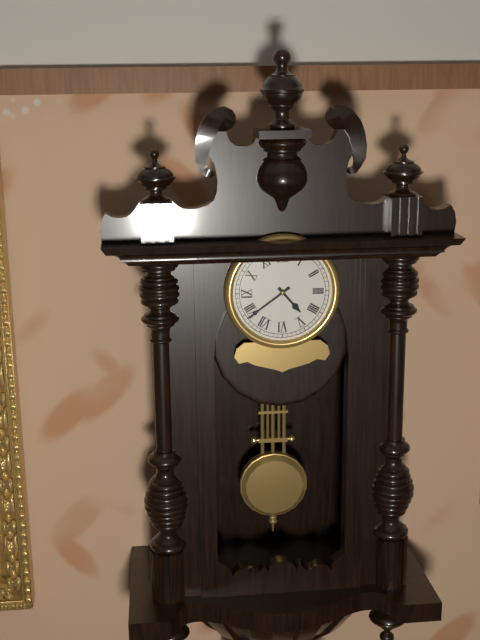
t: 4:39
